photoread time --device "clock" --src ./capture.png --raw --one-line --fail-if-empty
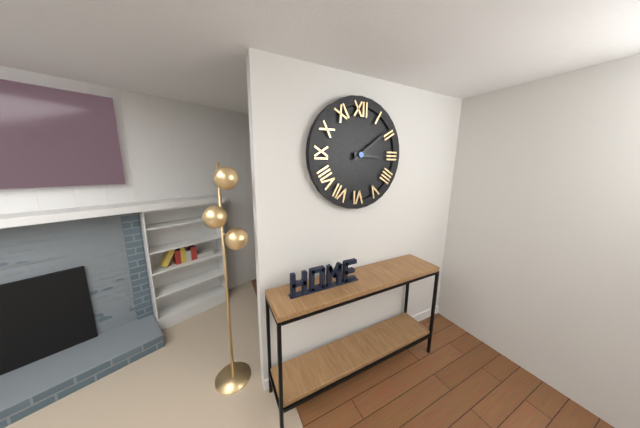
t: 3:09
